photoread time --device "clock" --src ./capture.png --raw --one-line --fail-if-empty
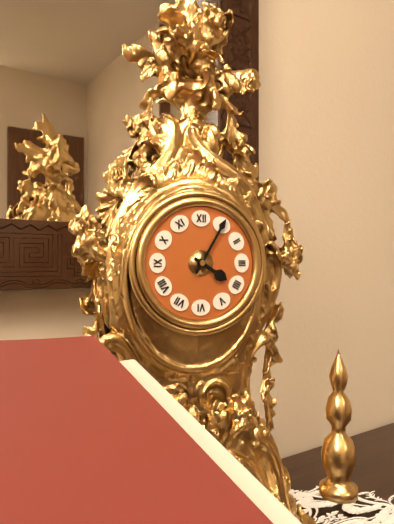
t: 4:05
